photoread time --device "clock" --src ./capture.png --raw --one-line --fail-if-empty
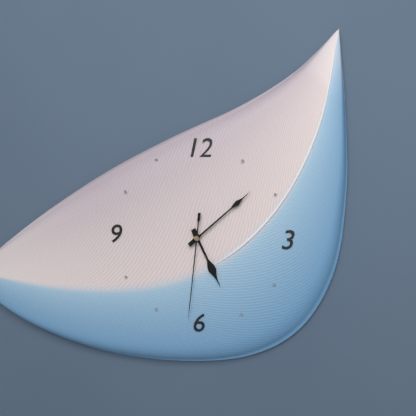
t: 5:08:31
